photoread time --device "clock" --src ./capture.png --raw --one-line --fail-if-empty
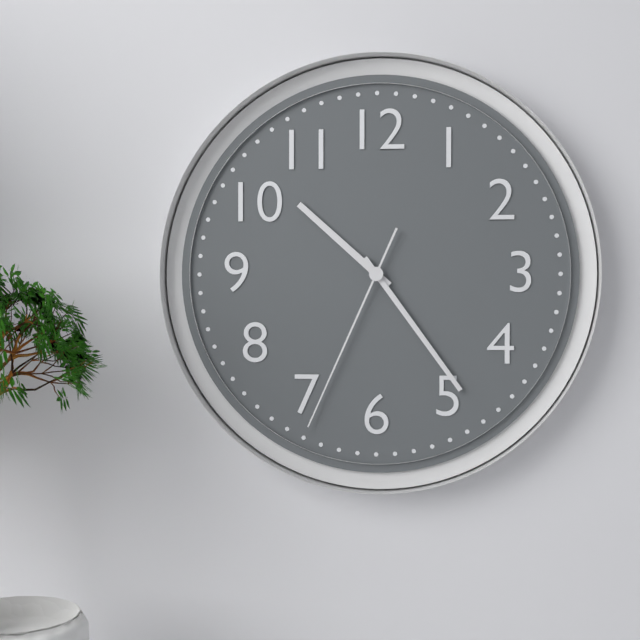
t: 10:24:34
